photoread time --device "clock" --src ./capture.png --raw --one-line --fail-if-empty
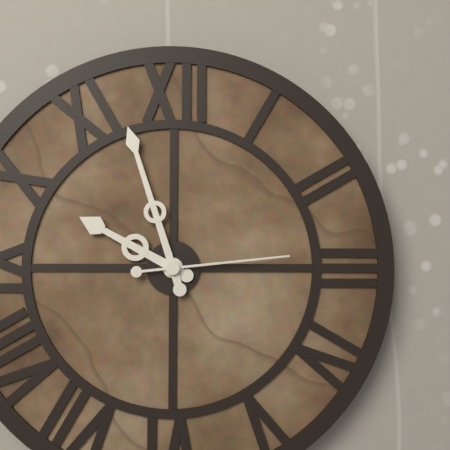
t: 9:57:14
